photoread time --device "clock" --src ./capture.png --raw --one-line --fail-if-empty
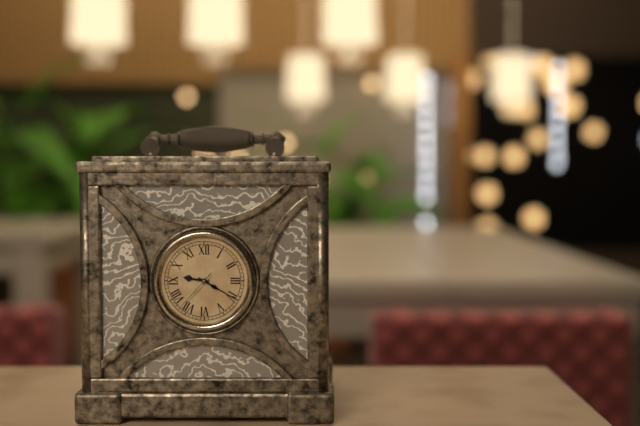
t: 9:20
